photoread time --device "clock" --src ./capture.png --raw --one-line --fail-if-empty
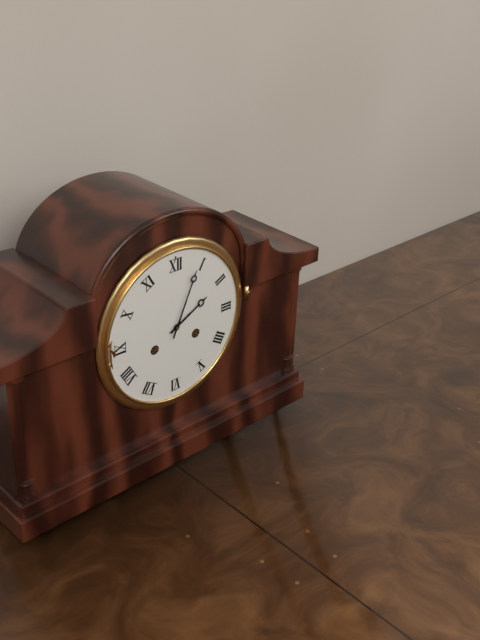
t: 2:04
